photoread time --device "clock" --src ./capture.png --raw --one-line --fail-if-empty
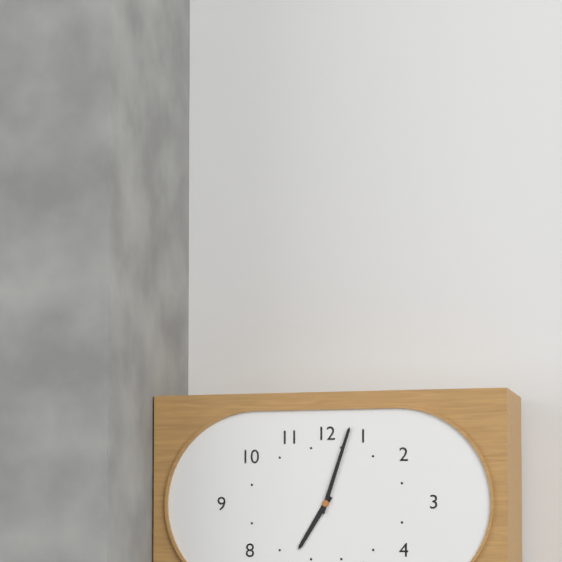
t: 7:03
